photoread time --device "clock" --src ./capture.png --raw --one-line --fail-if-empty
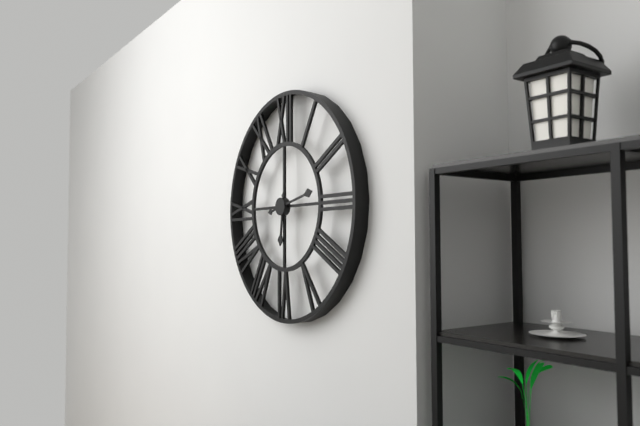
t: 6:13
